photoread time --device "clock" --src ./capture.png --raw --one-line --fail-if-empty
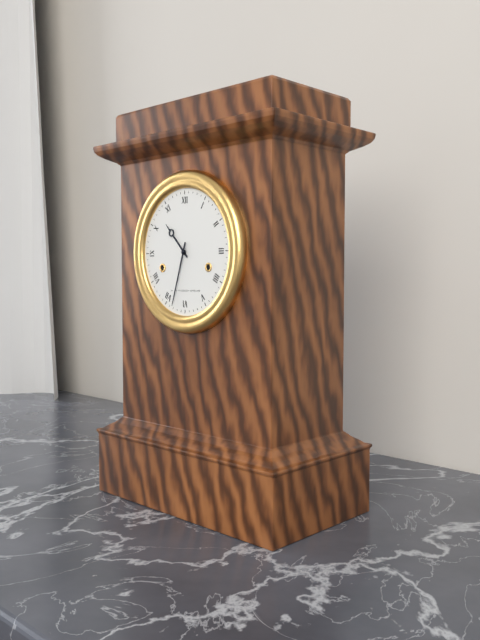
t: 10:33
